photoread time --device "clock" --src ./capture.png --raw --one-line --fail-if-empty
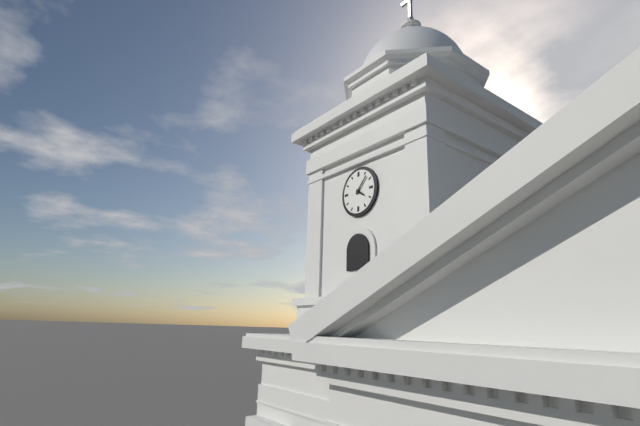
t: 4:07
